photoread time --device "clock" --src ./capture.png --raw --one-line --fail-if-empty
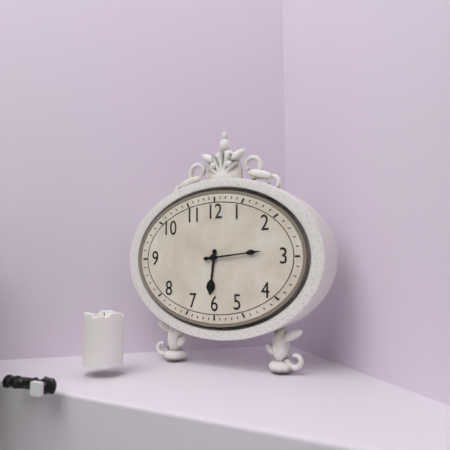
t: 6:14
